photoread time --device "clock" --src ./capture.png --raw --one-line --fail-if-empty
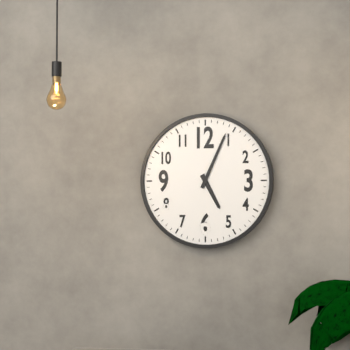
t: 5:04
